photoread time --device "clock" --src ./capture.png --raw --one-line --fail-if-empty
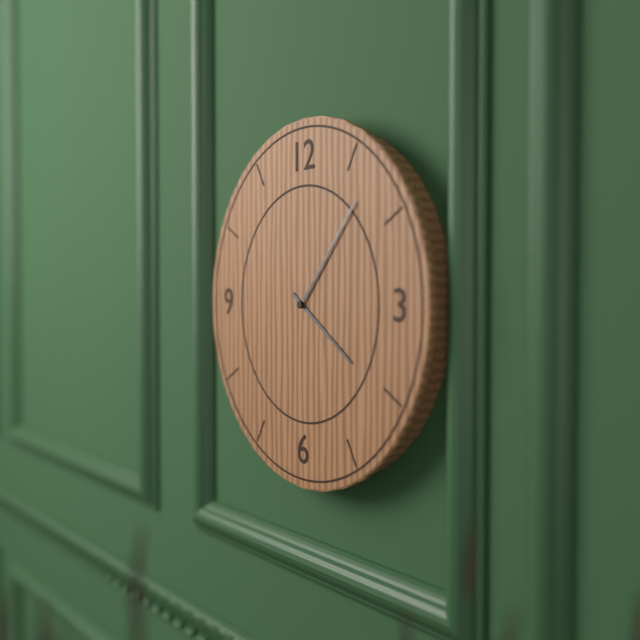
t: 4:07
